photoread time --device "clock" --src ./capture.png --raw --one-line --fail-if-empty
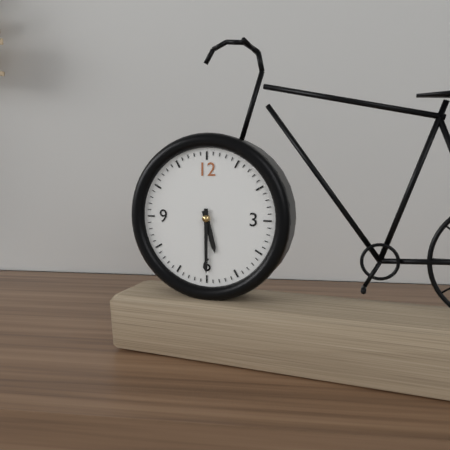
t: 5:30
